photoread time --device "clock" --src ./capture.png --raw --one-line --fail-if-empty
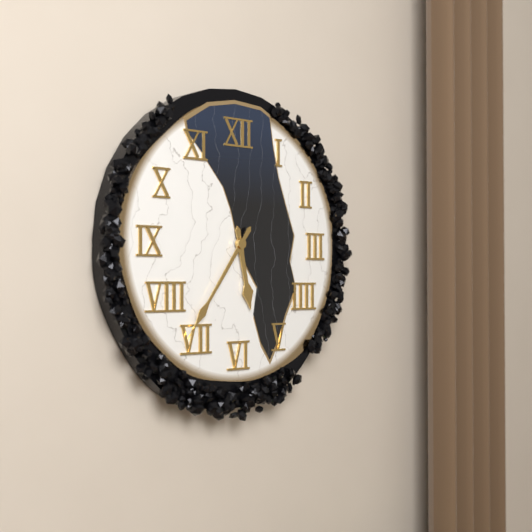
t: 5:36
